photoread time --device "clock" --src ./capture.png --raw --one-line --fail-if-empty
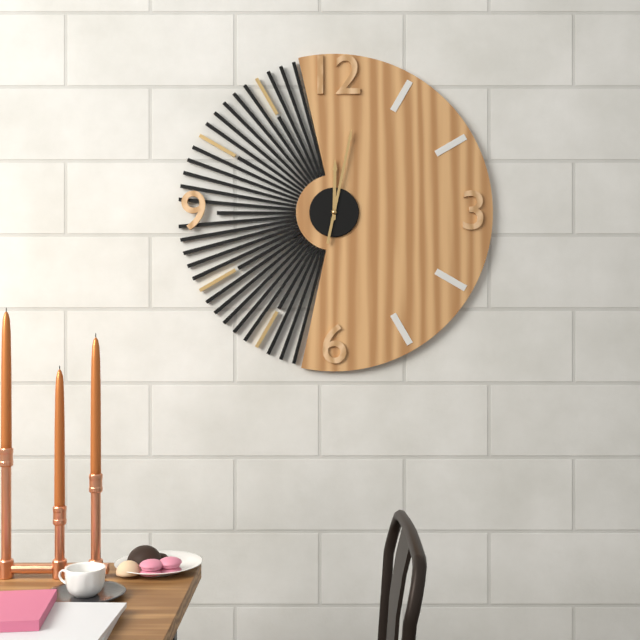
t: 12:02
